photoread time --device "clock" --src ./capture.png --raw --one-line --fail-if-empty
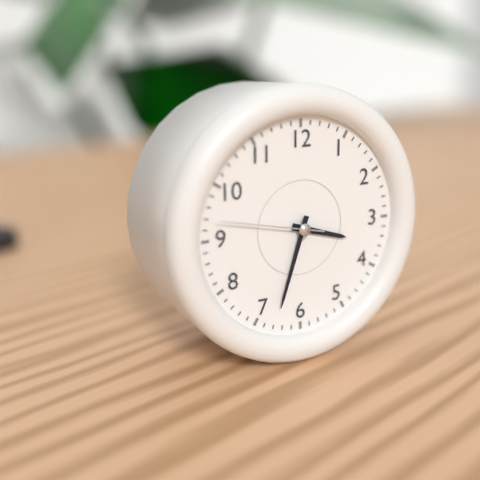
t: 3:33:47
